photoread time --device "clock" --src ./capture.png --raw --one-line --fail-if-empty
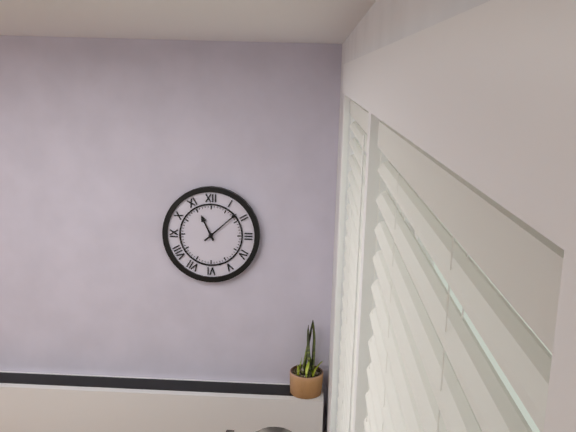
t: 11:08
